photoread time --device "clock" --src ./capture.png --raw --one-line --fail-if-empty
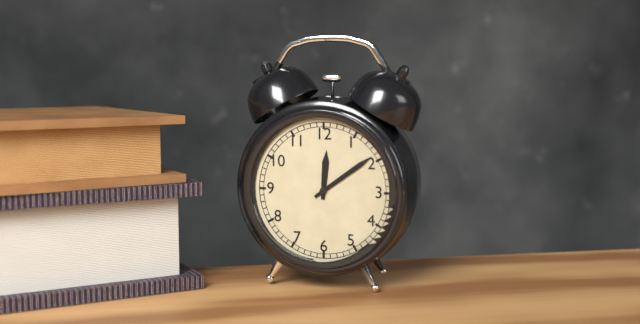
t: 12:09
